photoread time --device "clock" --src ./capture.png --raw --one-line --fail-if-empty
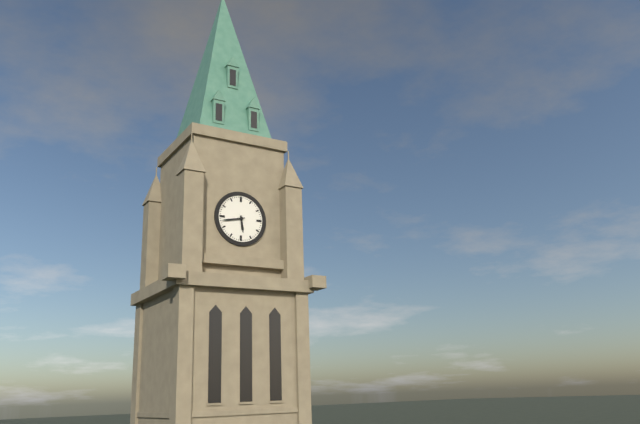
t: 5:43
